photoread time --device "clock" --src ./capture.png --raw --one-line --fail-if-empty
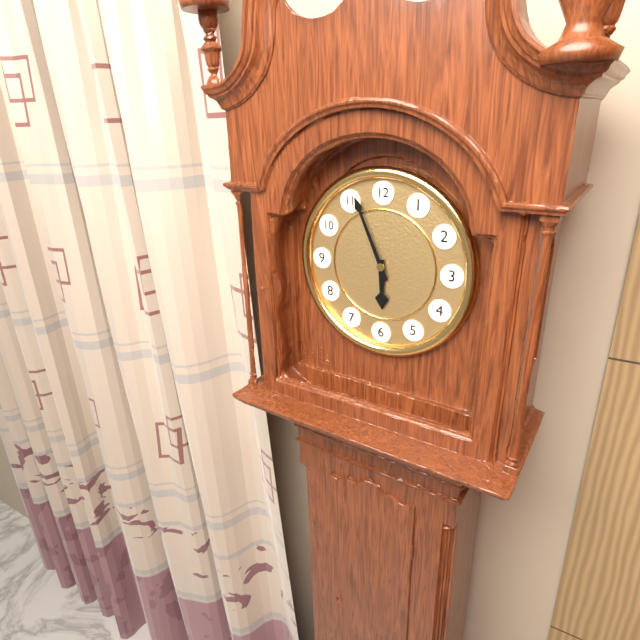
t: 5:56
